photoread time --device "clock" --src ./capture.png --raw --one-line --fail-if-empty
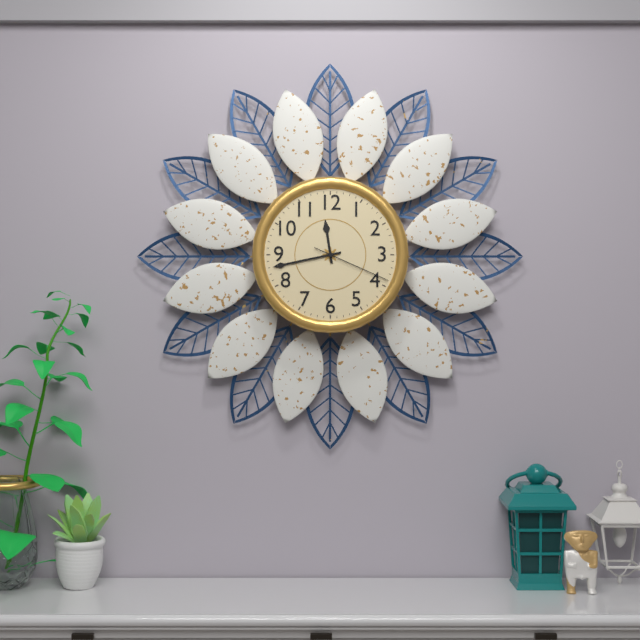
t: 11:43:19
